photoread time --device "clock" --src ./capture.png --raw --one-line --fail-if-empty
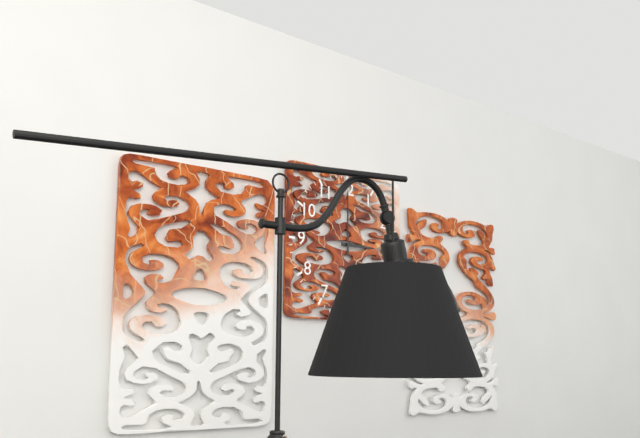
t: 3:00
